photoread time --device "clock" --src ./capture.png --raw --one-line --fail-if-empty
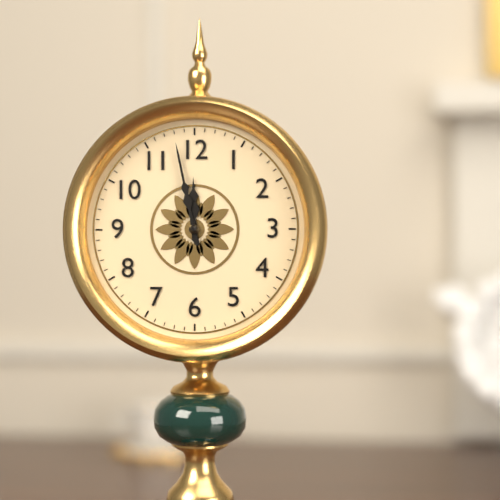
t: 11:58
